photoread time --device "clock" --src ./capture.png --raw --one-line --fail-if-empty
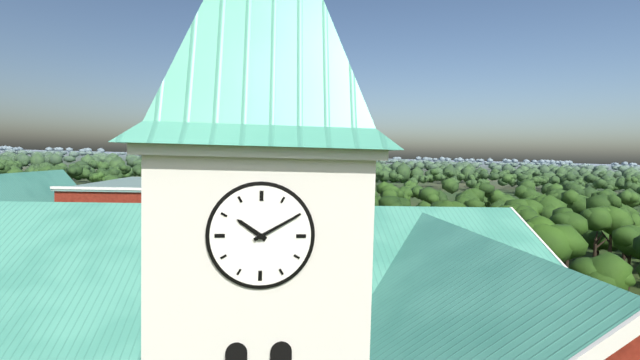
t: 10:10
